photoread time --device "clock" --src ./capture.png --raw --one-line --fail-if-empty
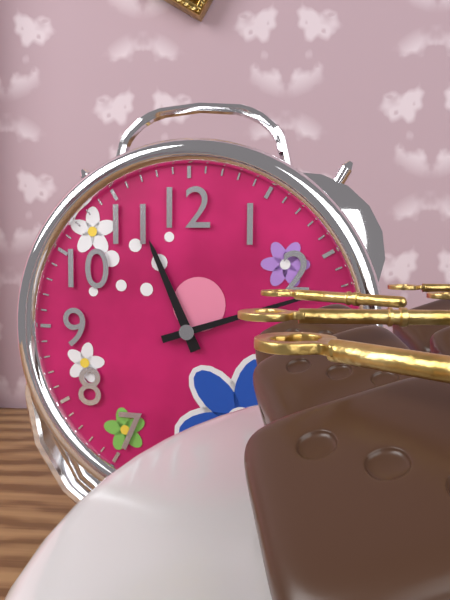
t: 11:12
